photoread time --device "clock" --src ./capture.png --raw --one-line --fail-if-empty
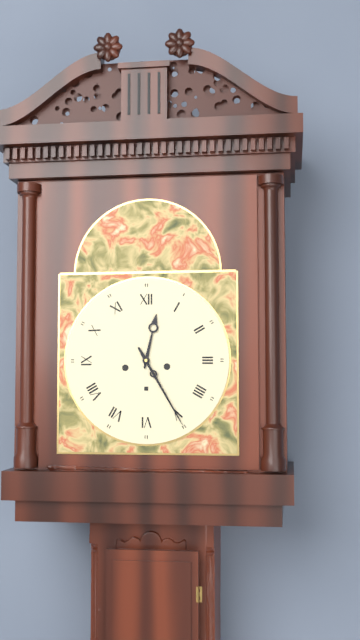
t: 12:25
